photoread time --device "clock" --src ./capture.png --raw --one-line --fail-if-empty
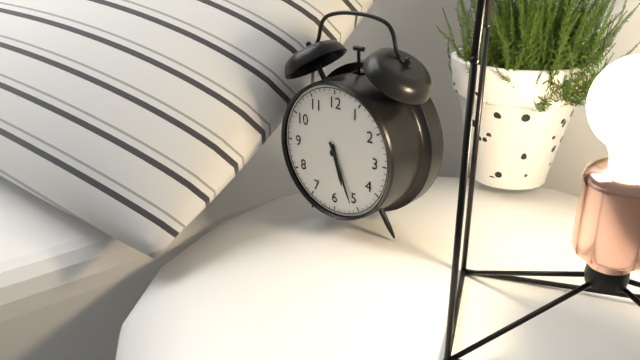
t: 5:26
